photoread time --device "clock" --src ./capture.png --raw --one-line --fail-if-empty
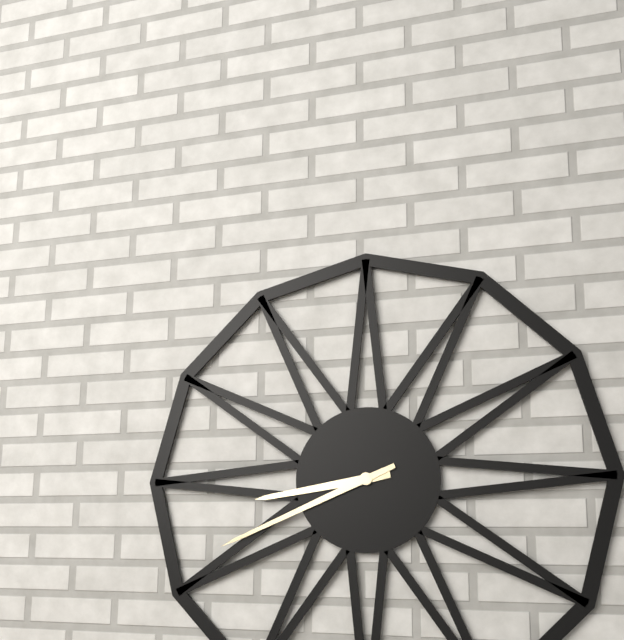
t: 8:41
